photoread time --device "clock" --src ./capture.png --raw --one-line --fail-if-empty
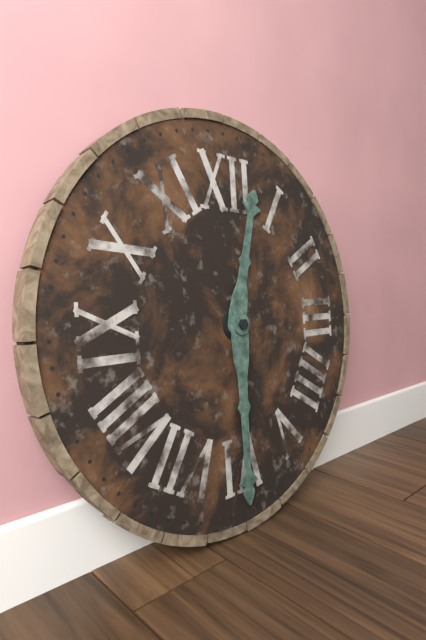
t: 12:30
